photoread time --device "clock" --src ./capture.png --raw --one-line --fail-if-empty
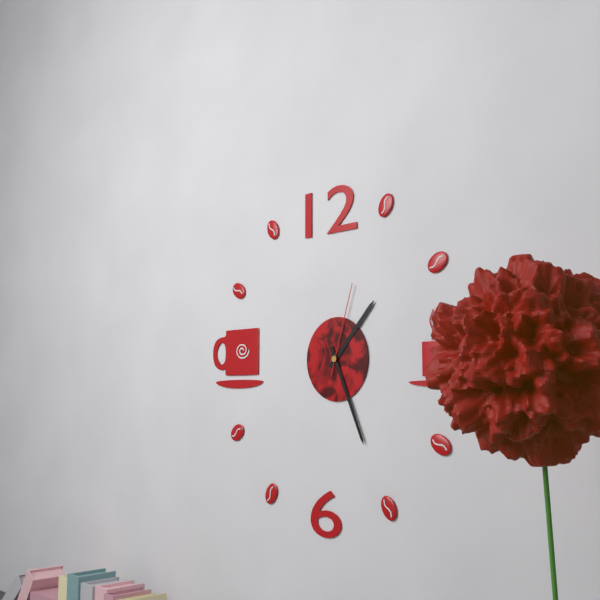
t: 1:26:03
